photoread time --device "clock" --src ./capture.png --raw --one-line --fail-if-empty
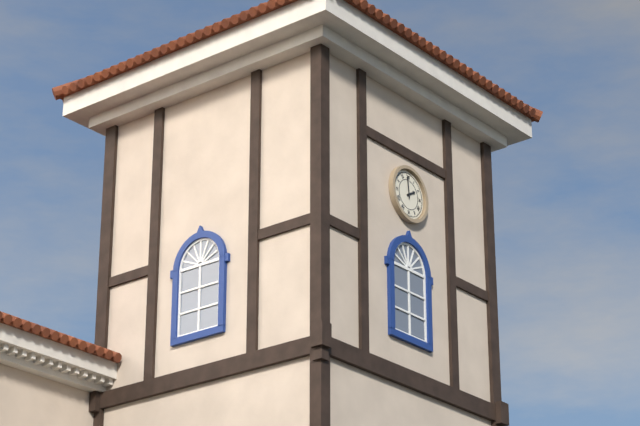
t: 1:59
